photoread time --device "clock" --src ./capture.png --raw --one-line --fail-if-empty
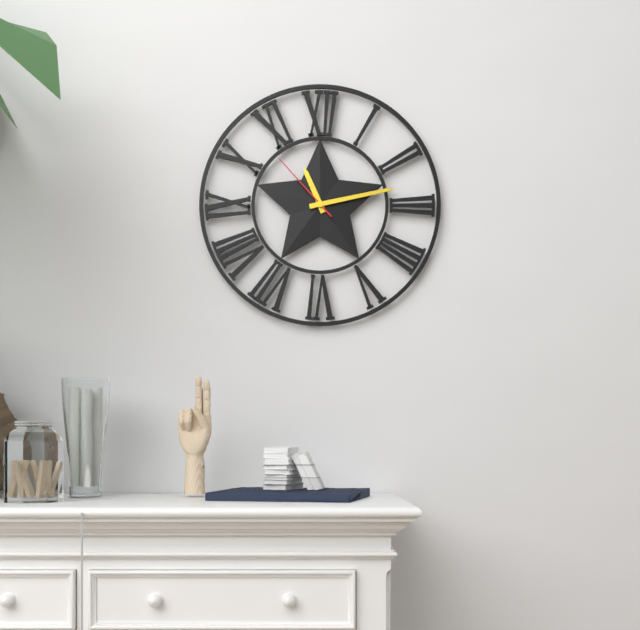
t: 11:13:53
